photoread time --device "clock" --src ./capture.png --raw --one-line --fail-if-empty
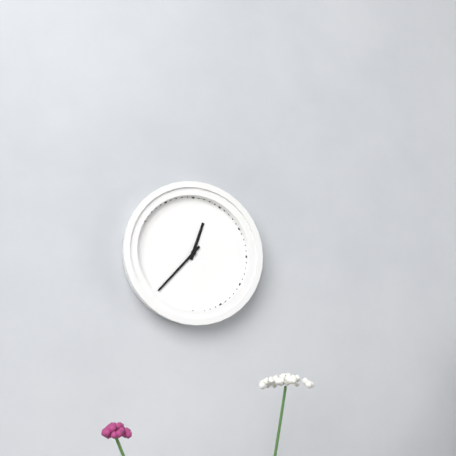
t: 12:37
